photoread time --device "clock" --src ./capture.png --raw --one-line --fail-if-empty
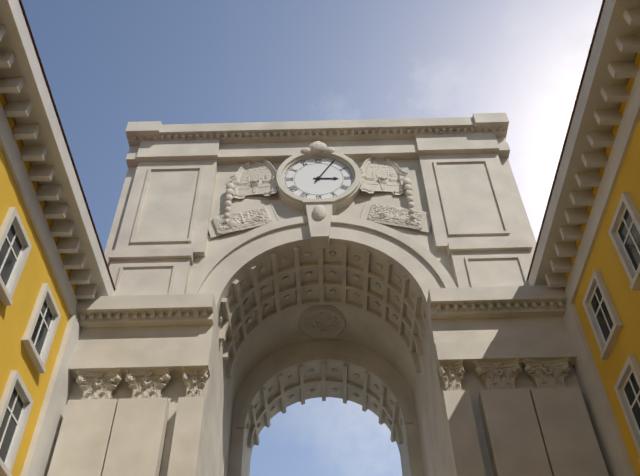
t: 3:05
